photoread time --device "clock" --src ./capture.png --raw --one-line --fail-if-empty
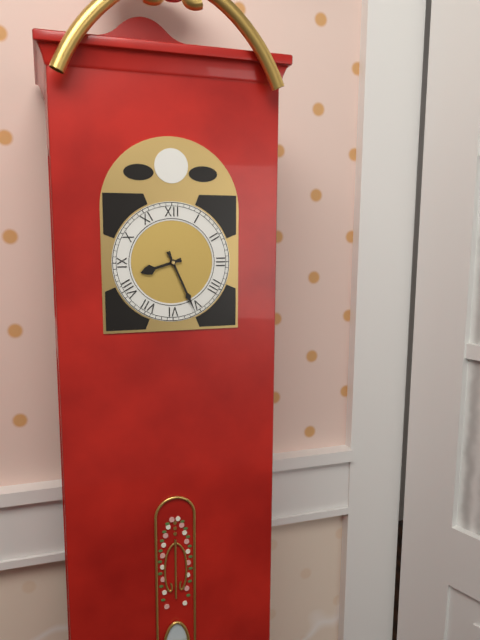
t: 8:26
